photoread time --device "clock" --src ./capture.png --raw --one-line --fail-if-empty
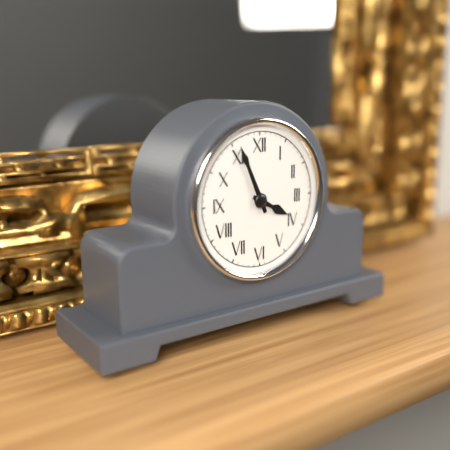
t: 3:56
